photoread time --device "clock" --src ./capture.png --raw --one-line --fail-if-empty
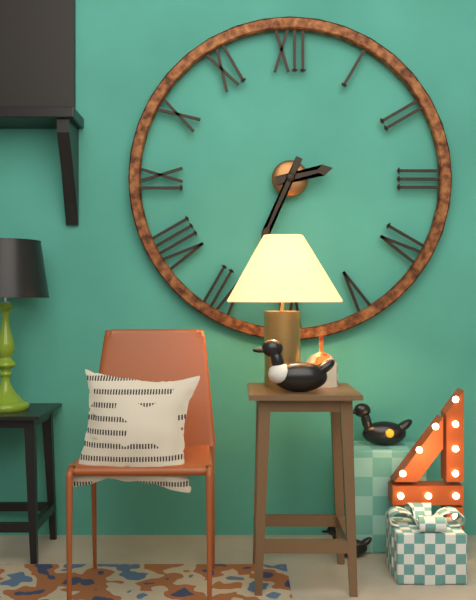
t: 2:34
